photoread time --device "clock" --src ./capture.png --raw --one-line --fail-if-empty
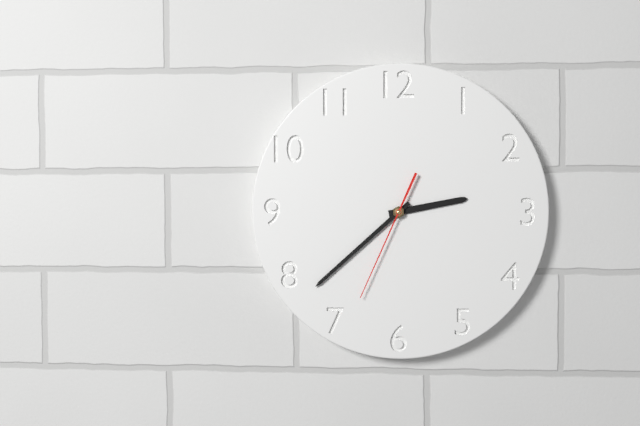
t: 2:38:34
